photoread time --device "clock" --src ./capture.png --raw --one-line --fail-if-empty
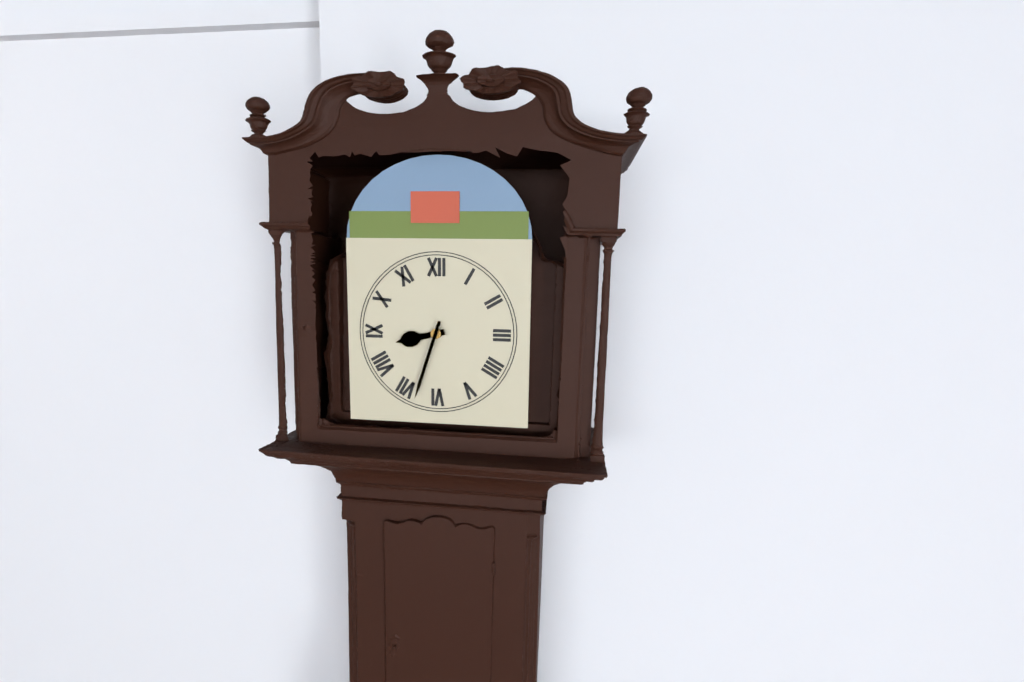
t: 8:33
